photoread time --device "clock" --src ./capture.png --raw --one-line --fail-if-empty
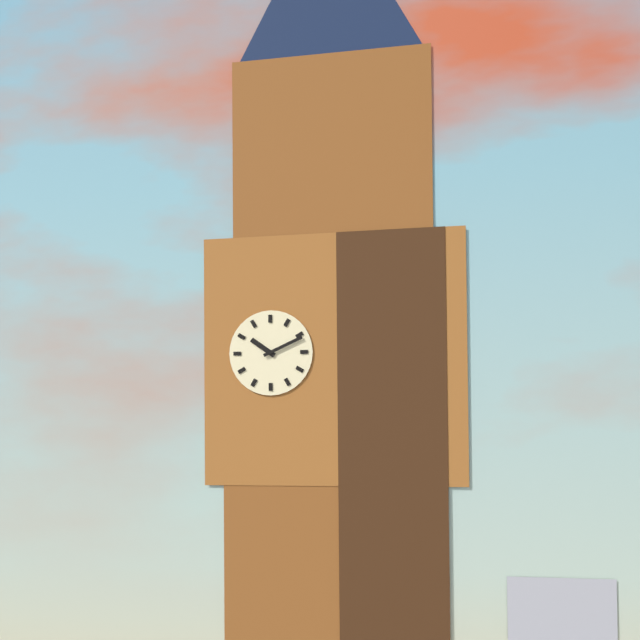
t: 10:11
